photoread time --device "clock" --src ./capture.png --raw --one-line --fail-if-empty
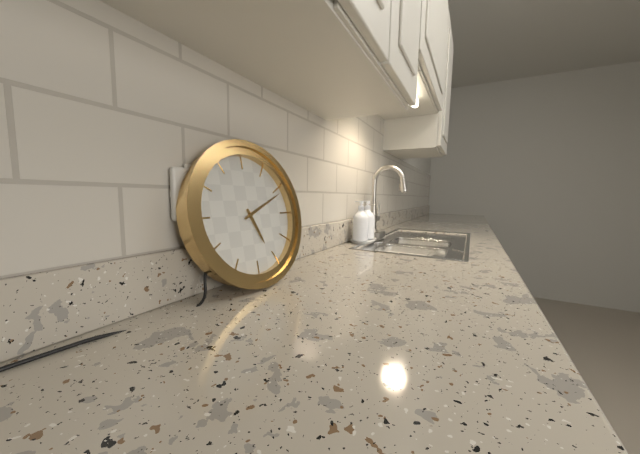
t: 5:11
